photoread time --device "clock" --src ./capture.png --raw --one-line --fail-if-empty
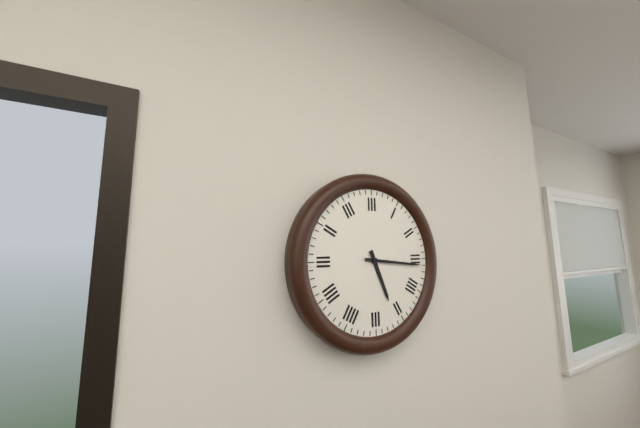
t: 5:16
